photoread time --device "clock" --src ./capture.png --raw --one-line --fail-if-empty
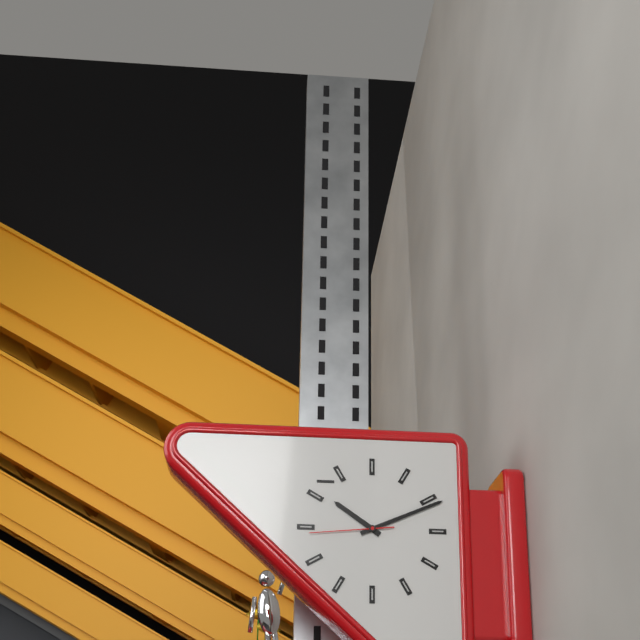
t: 10:11:44
